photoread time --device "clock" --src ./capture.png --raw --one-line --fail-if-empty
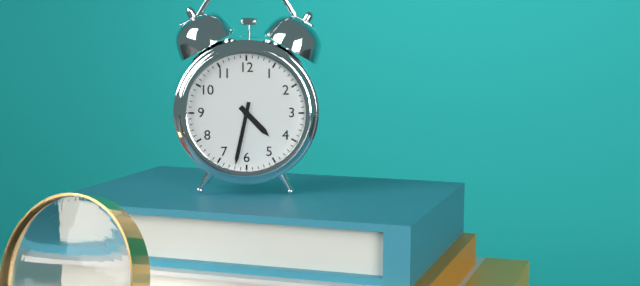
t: 4:32
